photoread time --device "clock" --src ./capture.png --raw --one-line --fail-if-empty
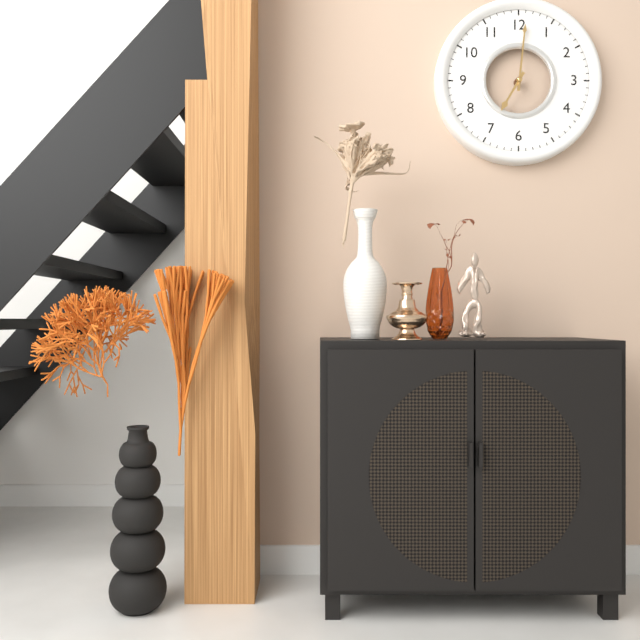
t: 7:01
